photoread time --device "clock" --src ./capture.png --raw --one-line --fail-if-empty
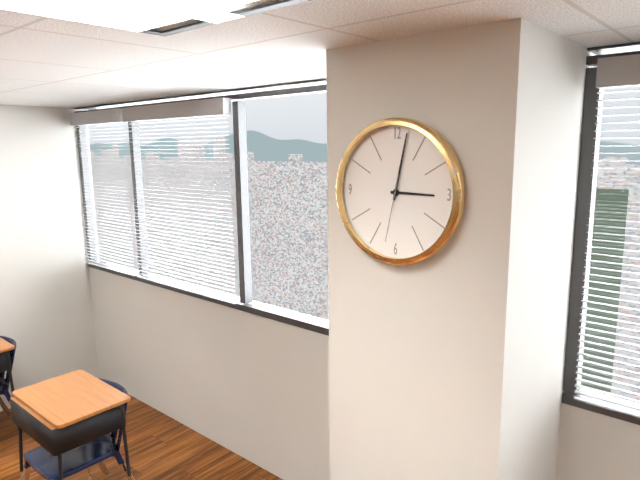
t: 3:02:32
